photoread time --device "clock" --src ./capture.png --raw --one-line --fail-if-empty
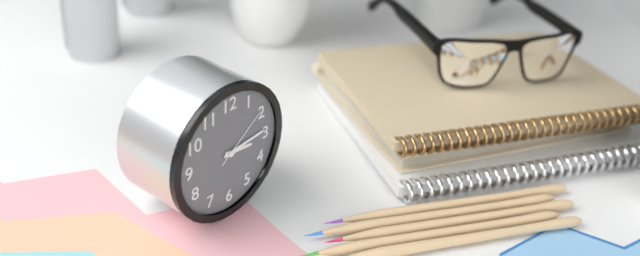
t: 3:14:09
